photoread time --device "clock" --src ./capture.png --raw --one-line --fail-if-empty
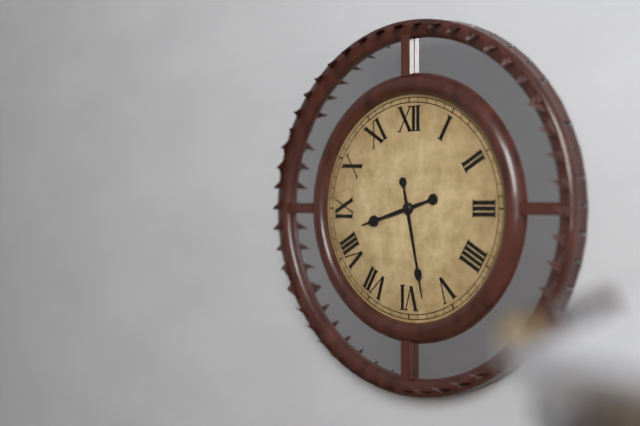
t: 8:28
